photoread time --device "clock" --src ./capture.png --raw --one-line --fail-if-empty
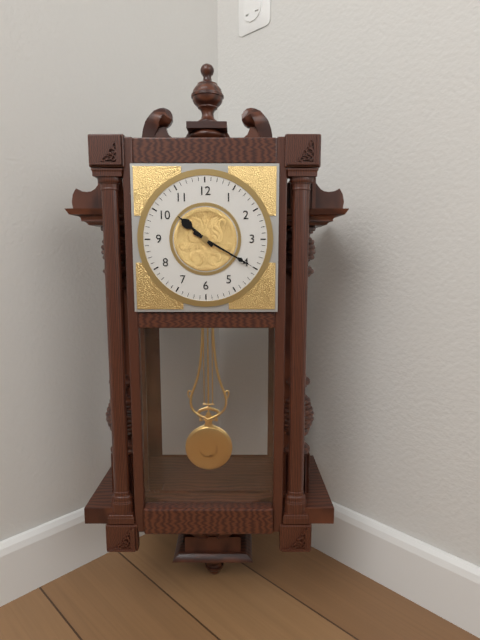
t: 10:20
